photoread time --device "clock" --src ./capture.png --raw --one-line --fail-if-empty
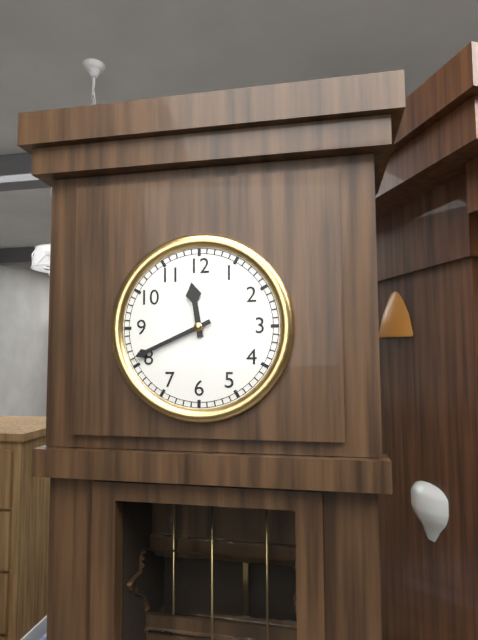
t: 11:41
